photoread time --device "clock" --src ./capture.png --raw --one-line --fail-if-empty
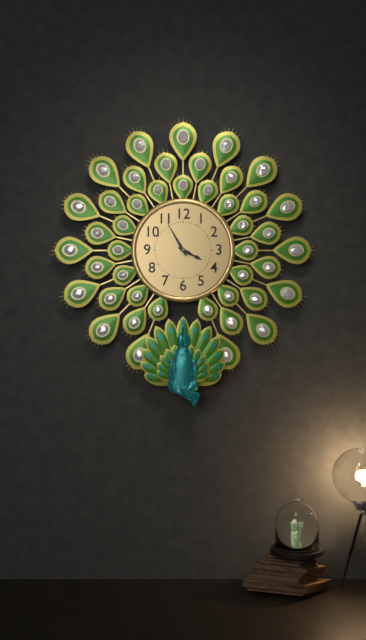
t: 3:55
